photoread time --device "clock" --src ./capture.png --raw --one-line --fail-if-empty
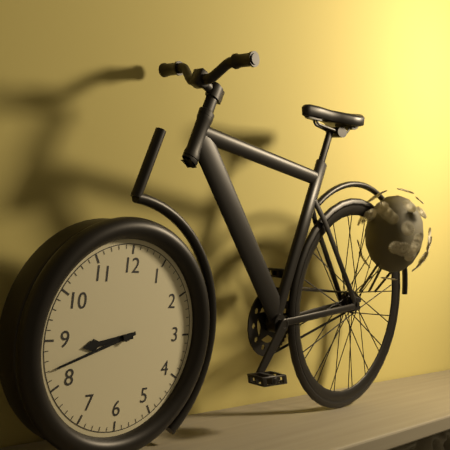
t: 8:42
